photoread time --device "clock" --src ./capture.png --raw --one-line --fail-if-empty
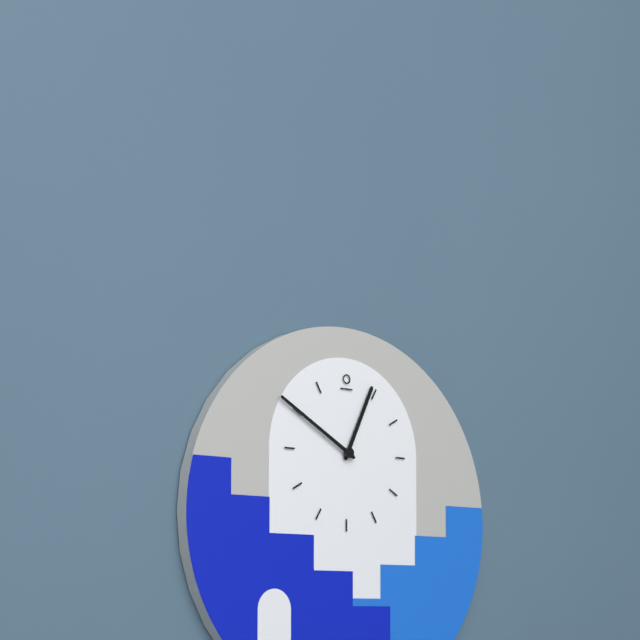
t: 12:50
